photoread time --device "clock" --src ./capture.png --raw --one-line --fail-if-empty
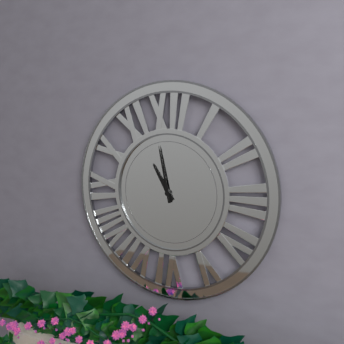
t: 10:58
